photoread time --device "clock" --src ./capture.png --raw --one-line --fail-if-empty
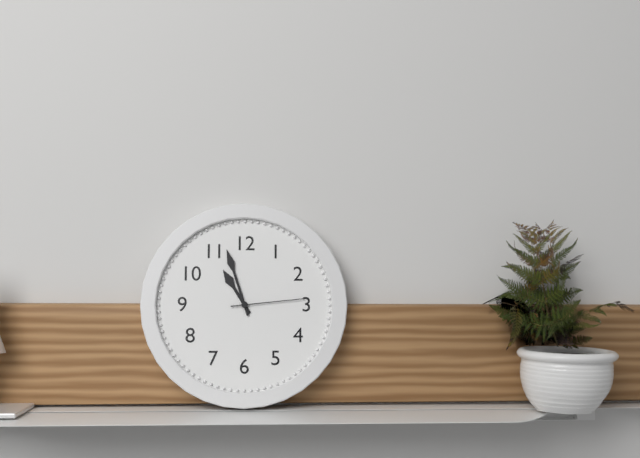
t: 10:57:14
